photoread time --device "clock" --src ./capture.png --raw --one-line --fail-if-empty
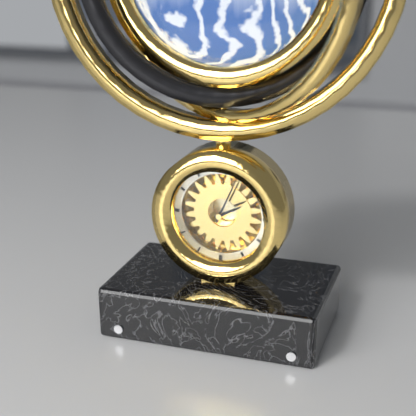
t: 2:04
